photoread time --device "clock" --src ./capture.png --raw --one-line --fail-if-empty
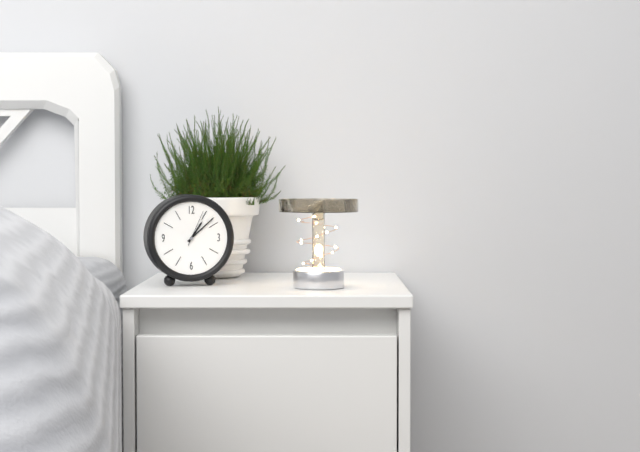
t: 1:08
